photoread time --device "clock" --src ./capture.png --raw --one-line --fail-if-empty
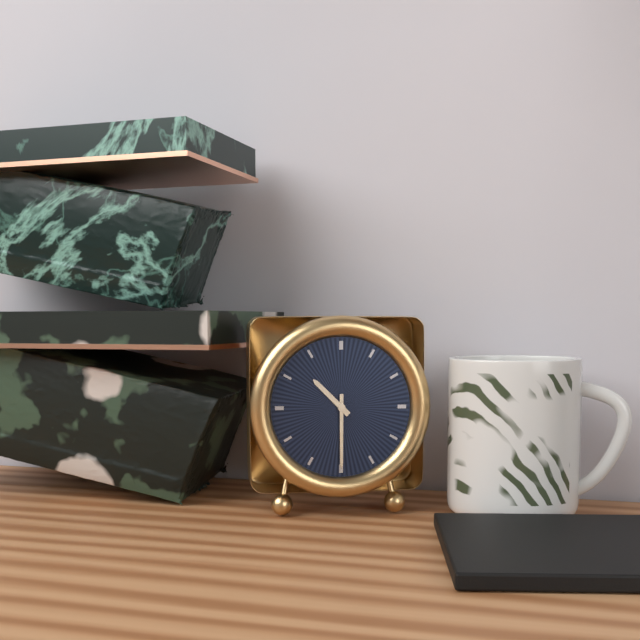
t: 10:30
